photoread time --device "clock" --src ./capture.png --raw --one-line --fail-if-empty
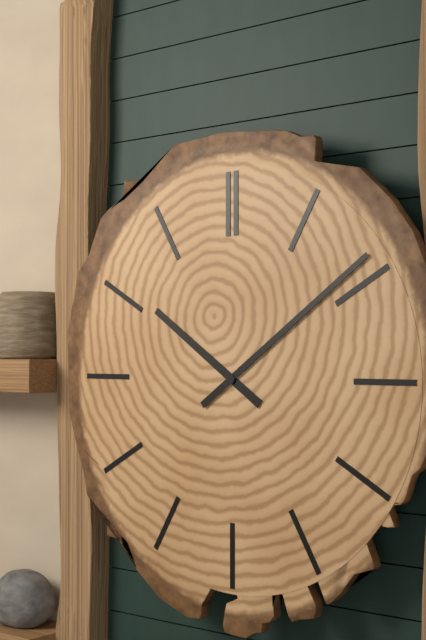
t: 10:09
